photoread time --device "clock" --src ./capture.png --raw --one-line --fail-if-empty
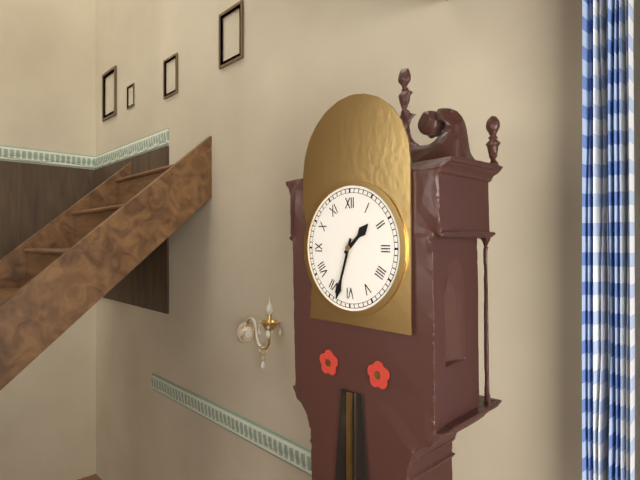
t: 1:33
